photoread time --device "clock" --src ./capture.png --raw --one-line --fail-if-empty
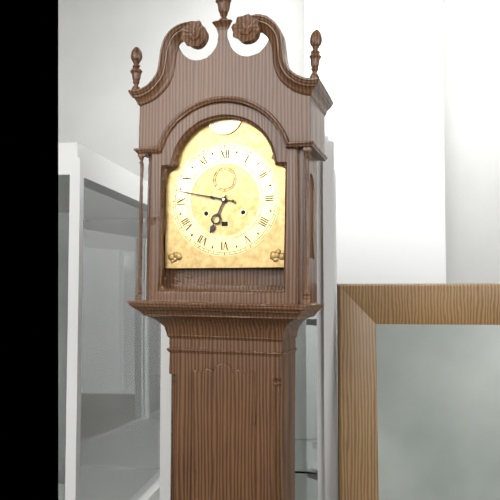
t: 6:47
